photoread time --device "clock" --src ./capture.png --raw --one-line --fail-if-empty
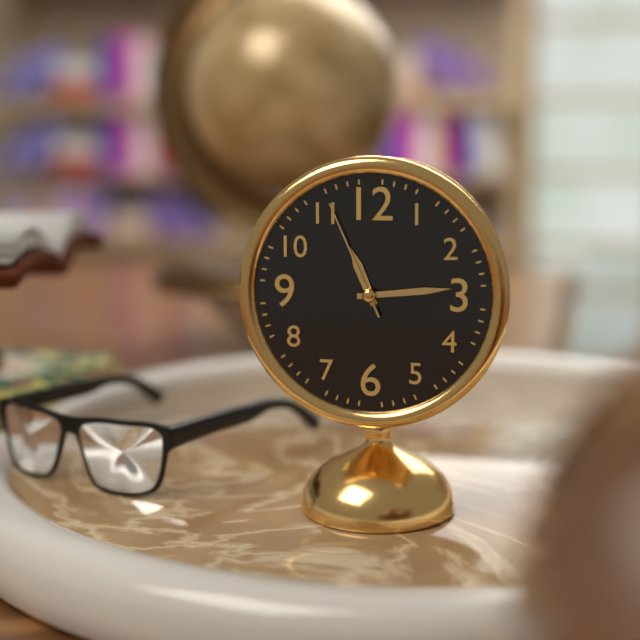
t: 11:14:56
